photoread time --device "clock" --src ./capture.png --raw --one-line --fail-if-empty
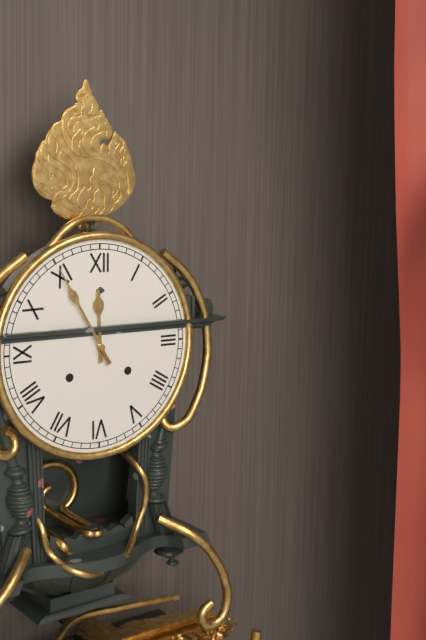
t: 11:55
